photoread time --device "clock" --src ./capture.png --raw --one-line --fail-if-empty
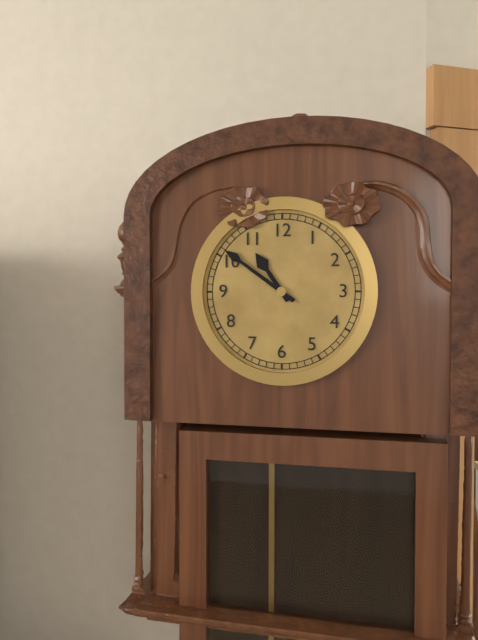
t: 10:51
